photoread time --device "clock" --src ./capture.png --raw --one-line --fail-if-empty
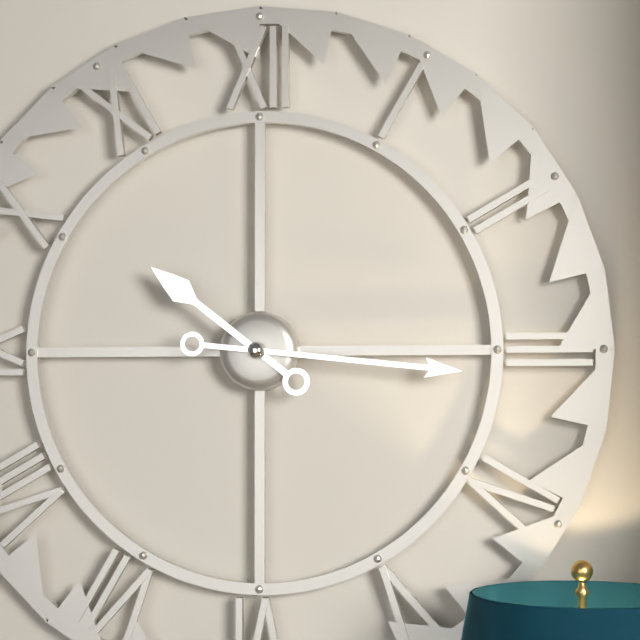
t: 10:16
